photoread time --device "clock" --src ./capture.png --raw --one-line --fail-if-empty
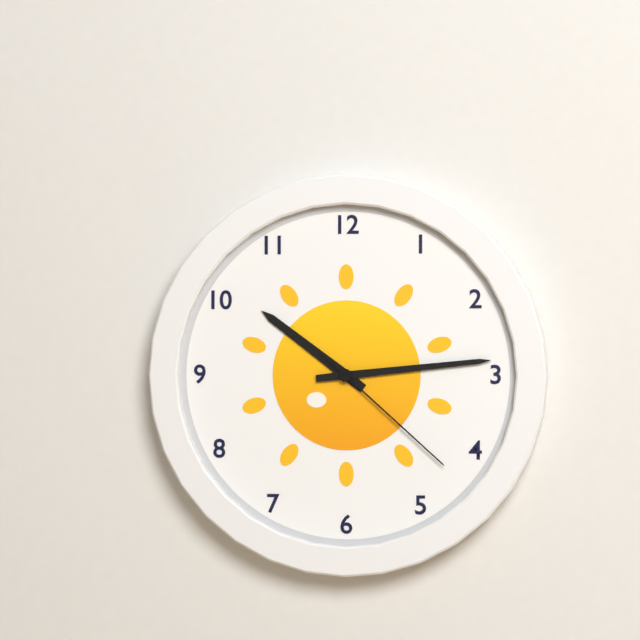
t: 10:14:22
